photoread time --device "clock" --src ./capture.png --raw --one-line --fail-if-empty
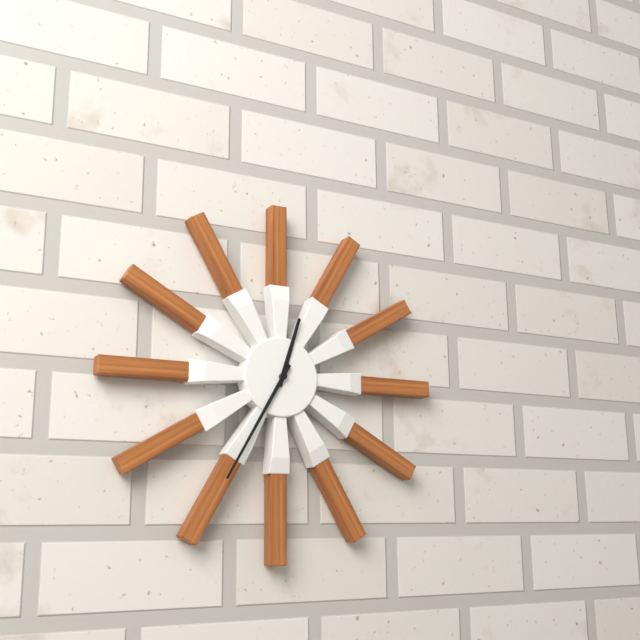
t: 12:35
